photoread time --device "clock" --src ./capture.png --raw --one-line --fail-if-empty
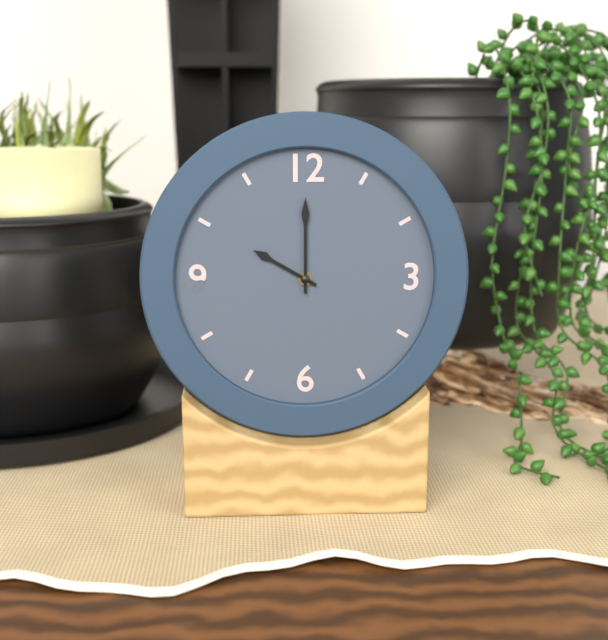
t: 10:00
